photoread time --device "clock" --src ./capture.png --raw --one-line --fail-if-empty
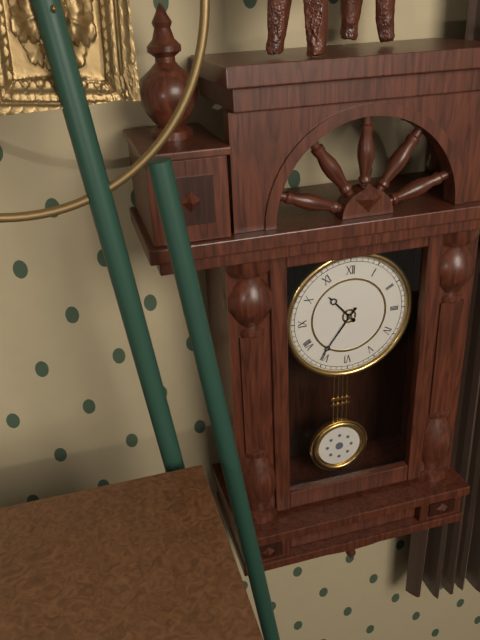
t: 10:36
